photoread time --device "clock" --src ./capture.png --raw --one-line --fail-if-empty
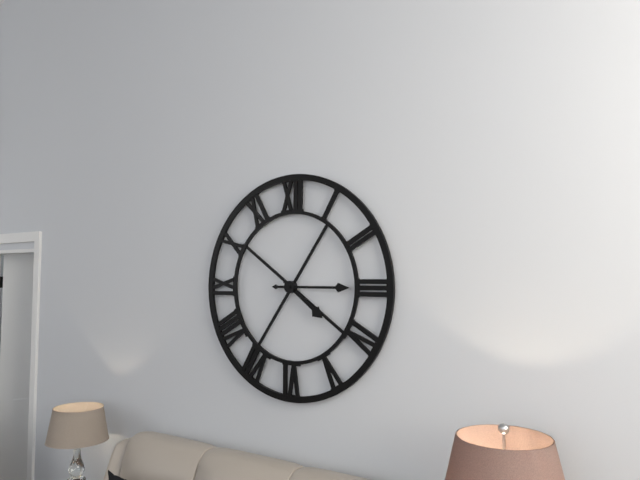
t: 4:15
